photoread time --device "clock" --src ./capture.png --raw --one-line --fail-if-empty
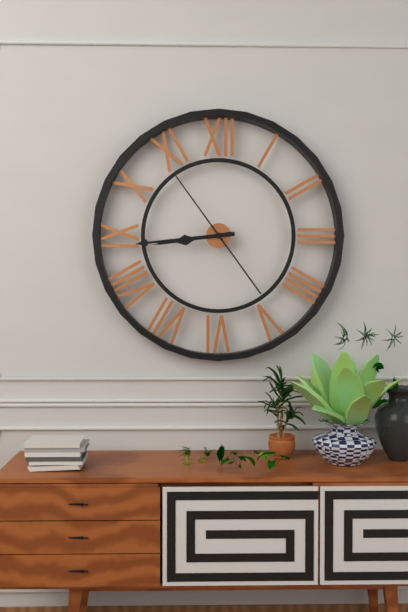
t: 8:44:54
